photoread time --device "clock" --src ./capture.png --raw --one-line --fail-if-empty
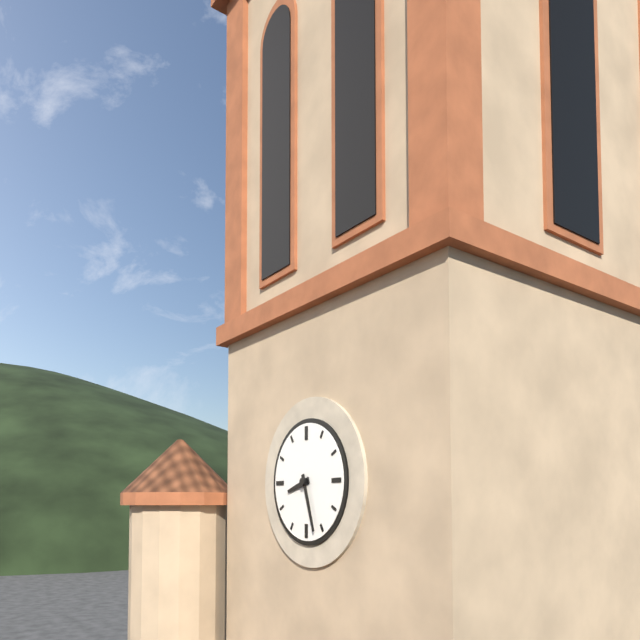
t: 8:27
